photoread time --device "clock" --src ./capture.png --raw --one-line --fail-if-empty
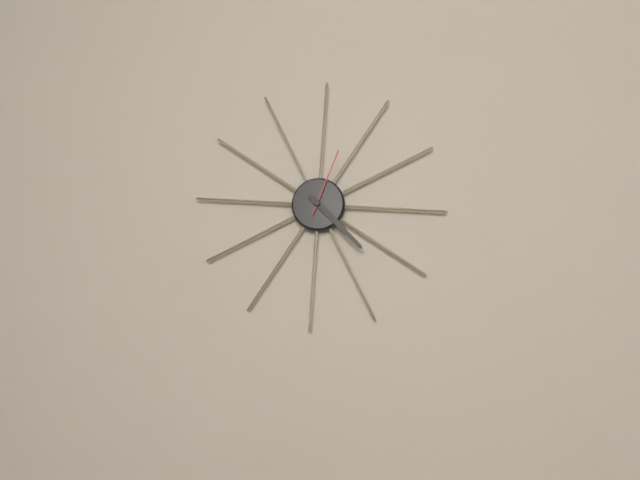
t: 4:22:03
